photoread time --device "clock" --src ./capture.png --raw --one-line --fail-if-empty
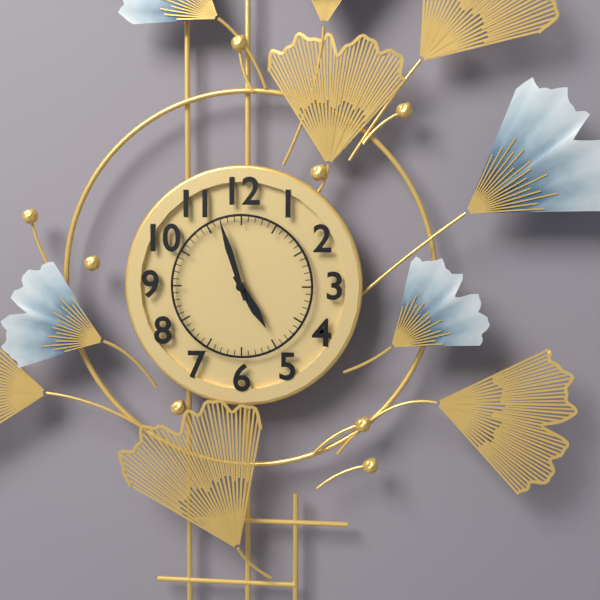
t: 4:57
